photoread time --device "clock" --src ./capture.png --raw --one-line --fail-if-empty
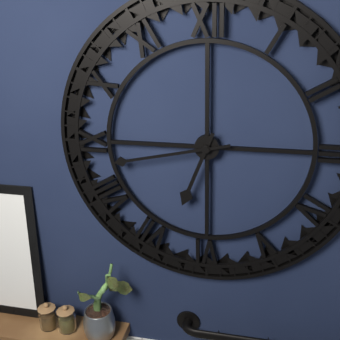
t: 6:43
